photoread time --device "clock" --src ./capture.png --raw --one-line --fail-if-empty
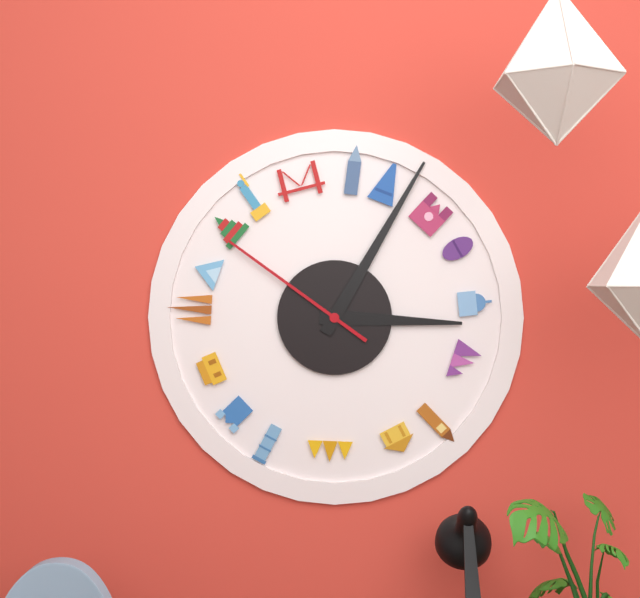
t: 3:05:51
